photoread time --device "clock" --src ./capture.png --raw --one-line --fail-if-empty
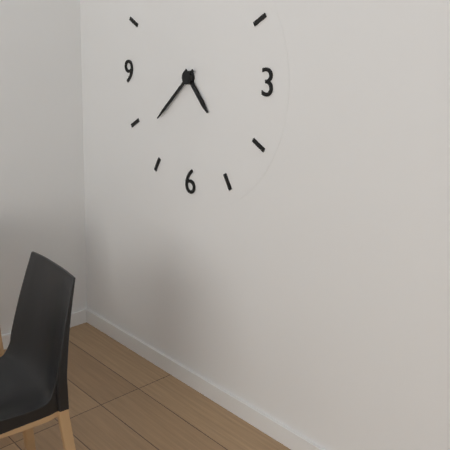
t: 4:38
